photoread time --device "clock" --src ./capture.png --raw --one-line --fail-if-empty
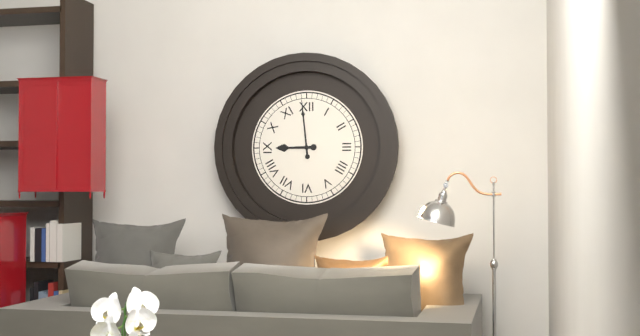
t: 8:59
